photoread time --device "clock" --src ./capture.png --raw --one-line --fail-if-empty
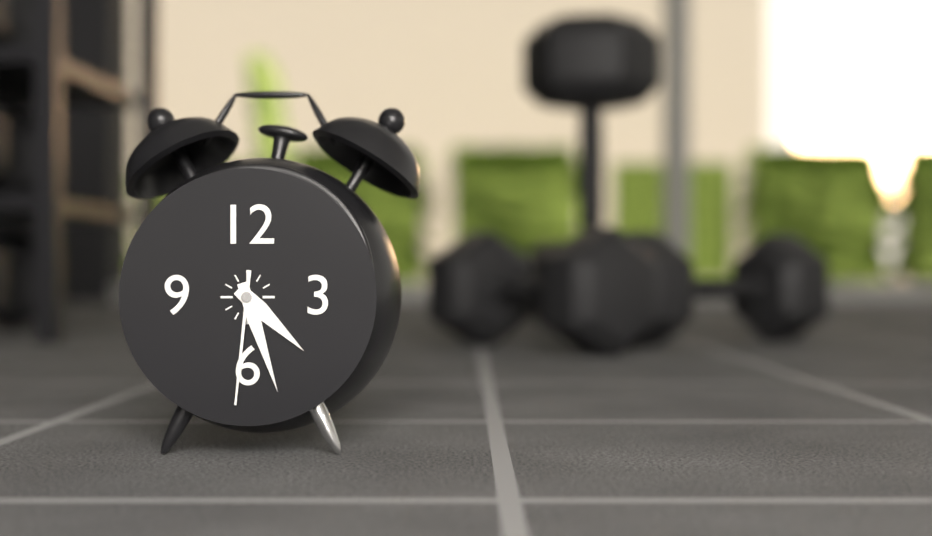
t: 4:27:31
